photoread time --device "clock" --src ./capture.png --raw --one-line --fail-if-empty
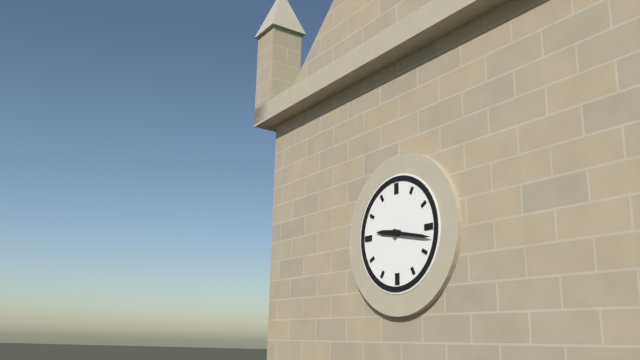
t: 9:17
